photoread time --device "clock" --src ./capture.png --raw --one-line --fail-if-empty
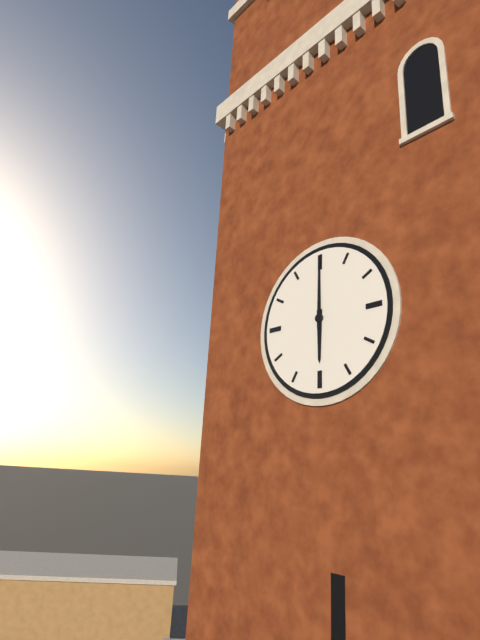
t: 6:00
